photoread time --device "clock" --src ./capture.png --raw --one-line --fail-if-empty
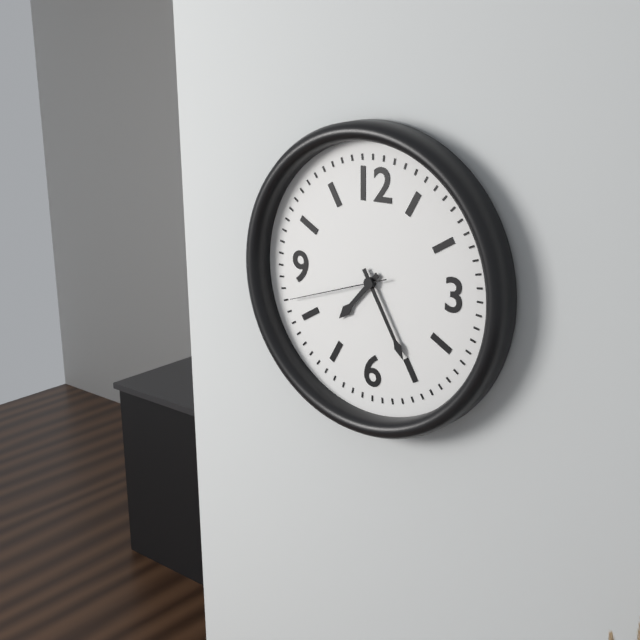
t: 7:25:42
